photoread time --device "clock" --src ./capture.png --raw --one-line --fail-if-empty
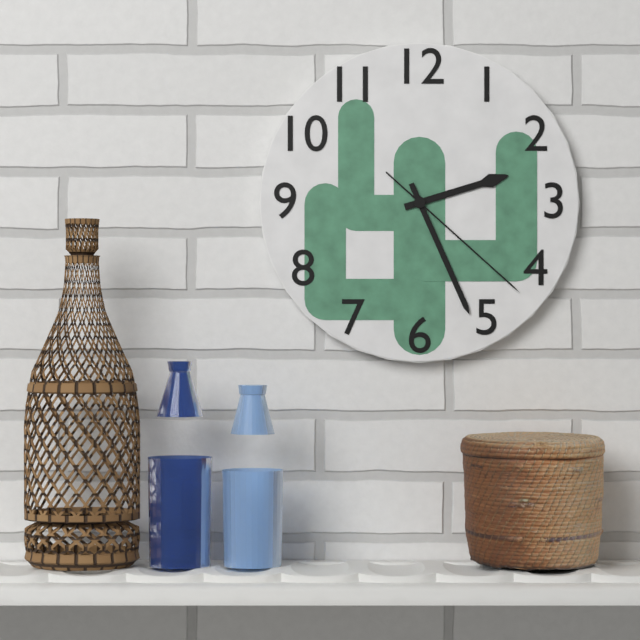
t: 2:26:22
